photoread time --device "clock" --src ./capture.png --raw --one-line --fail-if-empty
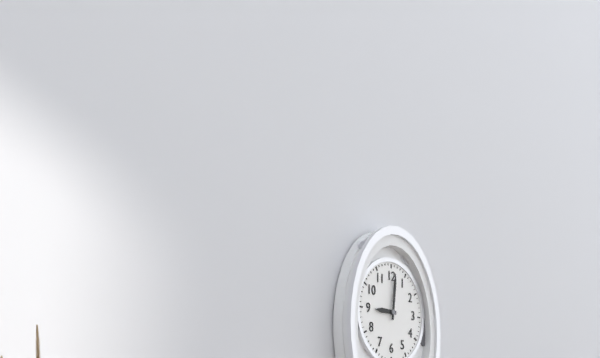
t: 9:01
